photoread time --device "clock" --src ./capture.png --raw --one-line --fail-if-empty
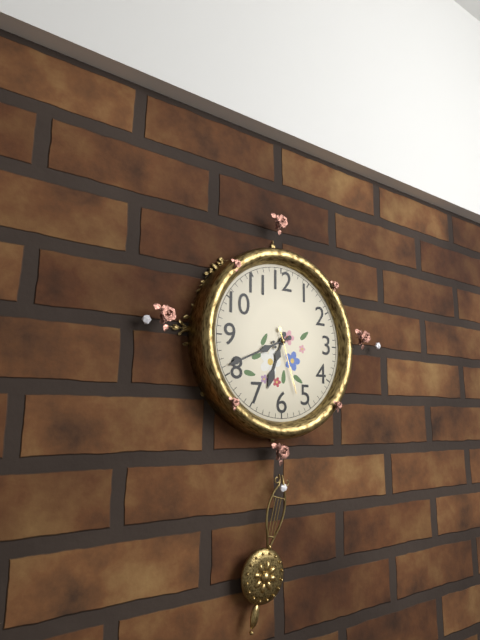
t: 6:41:27
